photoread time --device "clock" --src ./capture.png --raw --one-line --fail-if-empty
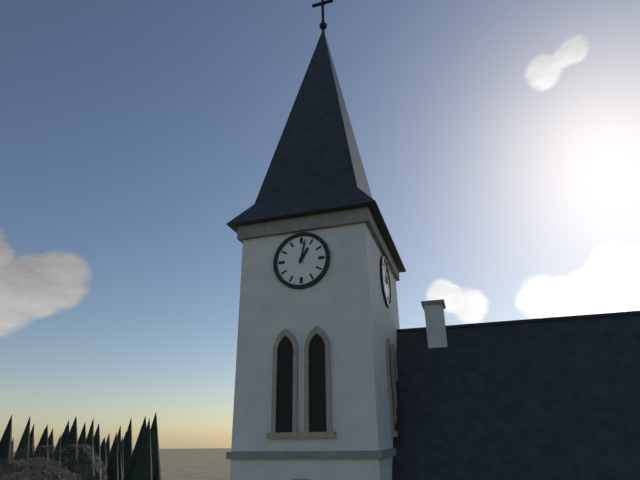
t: 1:02
